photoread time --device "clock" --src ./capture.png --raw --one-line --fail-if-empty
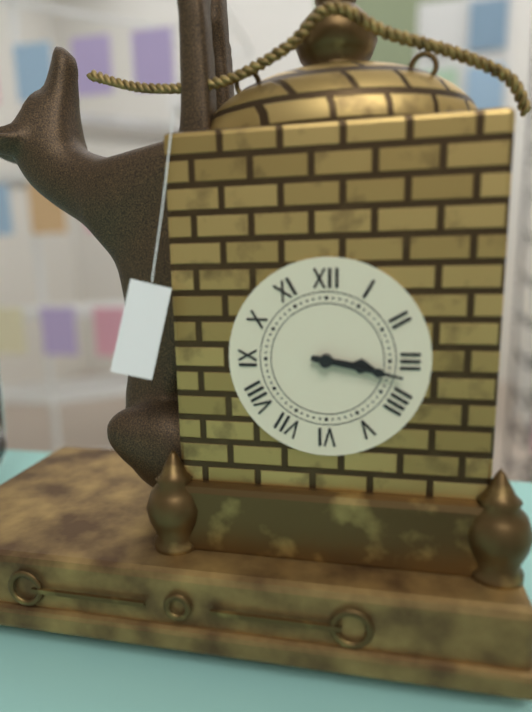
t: 3:17
